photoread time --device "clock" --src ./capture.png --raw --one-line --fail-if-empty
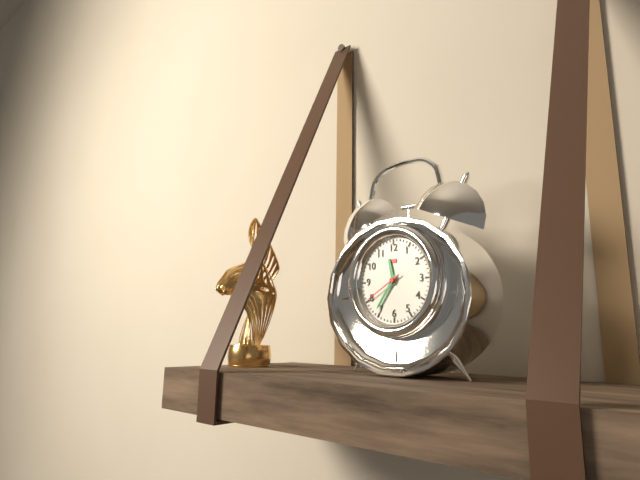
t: 11:36
